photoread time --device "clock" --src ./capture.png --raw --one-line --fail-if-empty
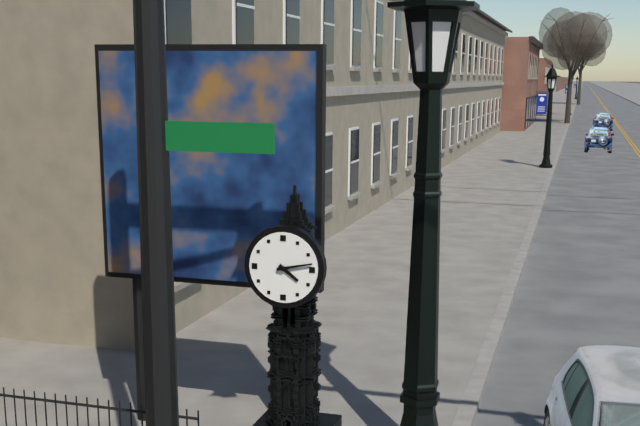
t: 4:13
